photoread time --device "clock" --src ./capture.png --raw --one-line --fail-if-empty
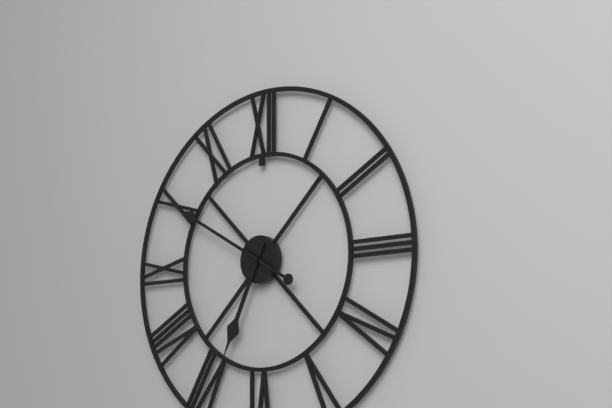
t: 6:50
